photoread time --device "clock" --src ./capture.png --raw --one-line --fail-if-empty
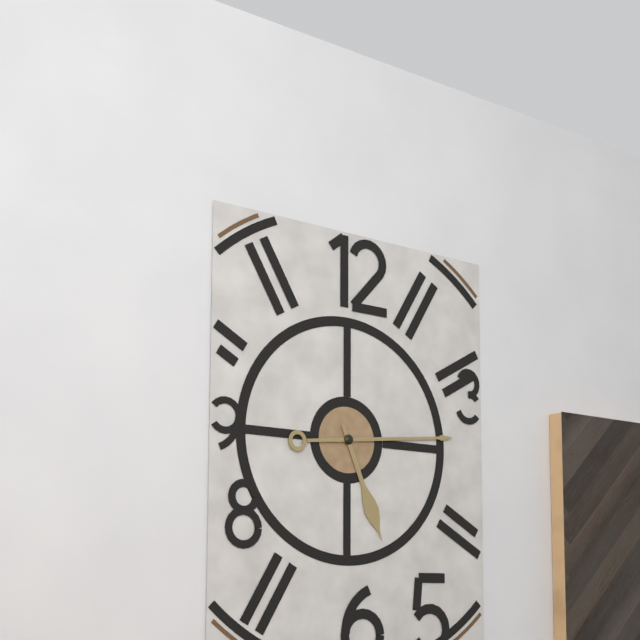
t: 5:14
